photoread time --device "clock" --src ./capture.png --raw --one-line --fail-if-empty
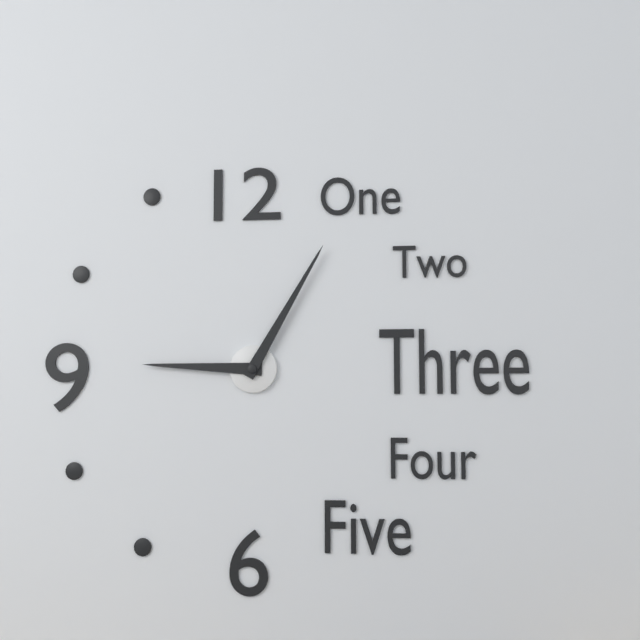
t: 9:05
